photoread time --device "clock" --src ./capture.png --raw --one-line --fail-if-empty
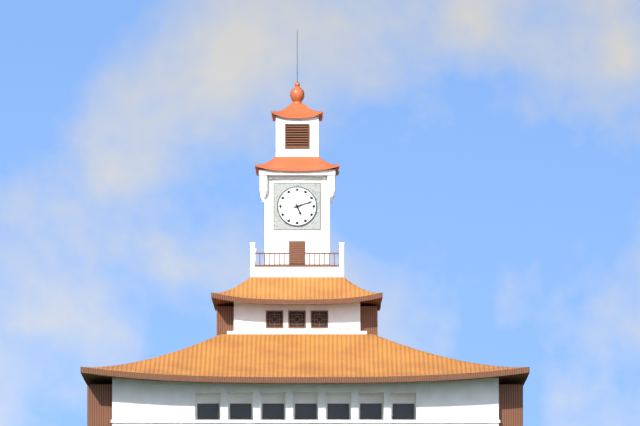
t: 5:12
